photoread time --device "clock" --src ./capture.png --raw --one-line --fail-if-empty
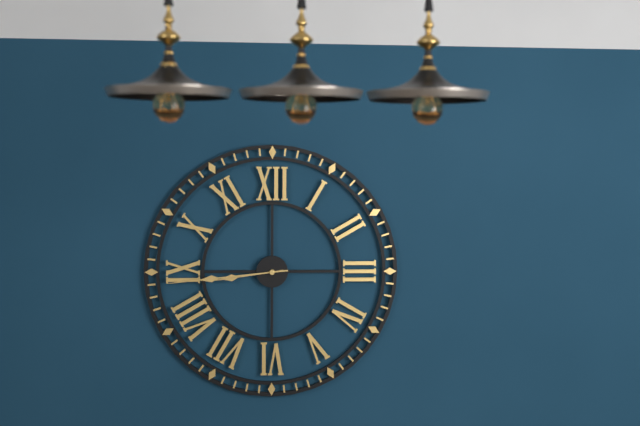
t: 8:44
